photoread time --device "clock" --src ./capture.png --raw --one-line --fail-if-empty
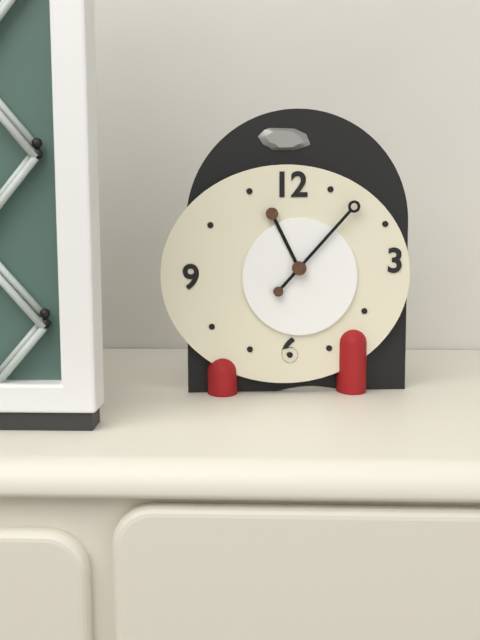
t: 11:07
